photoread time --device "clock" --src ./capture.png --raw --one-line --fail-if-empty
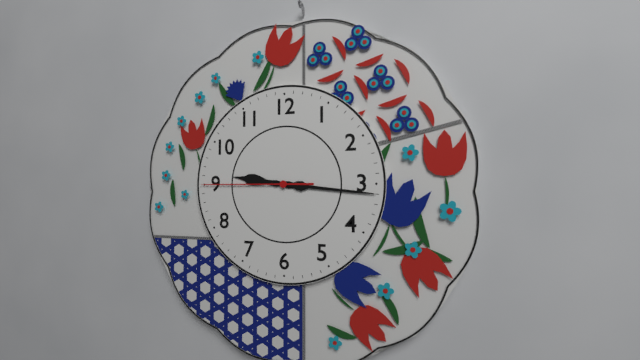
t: 9:16:45
